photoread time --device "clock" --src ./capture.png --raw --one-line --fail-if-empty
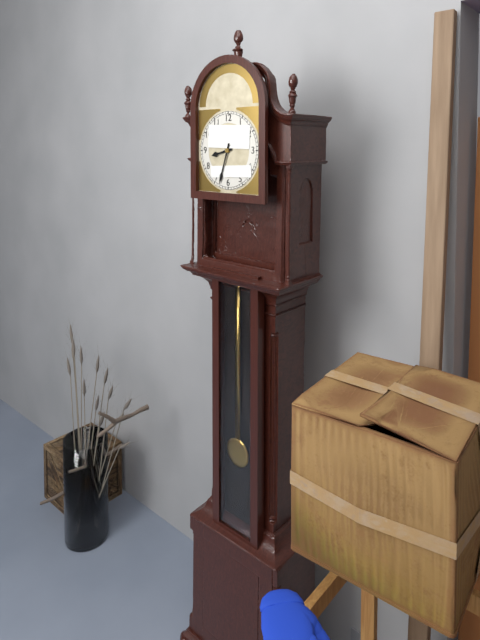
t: 8:33
